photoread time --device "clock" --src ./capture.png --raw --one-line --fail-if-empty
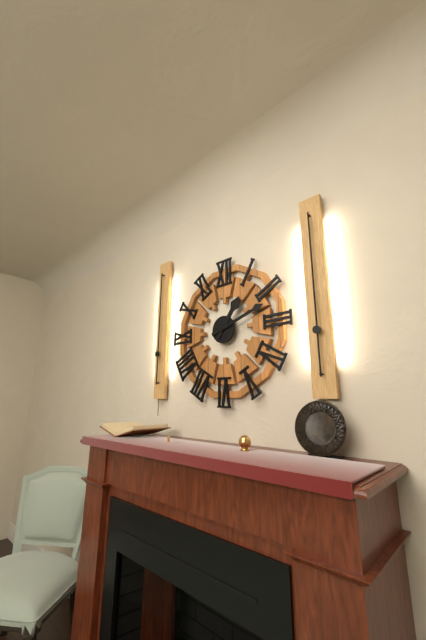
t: 1:12
